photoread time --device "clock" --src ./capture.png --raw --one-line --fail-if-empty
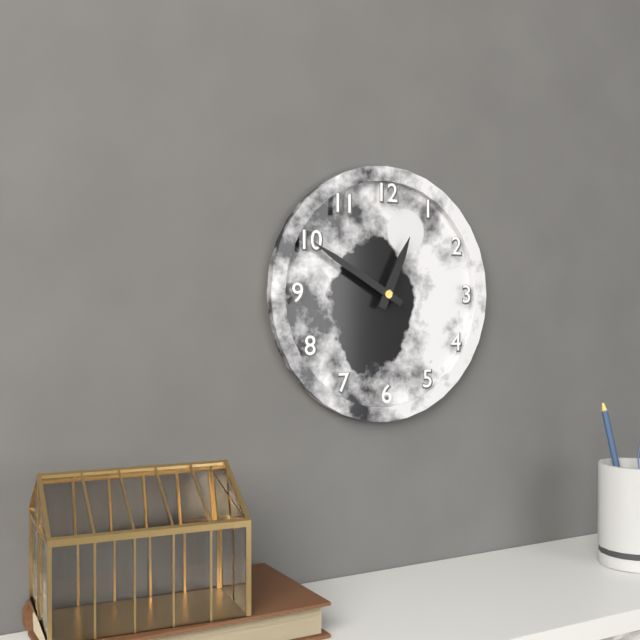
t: 12:50
